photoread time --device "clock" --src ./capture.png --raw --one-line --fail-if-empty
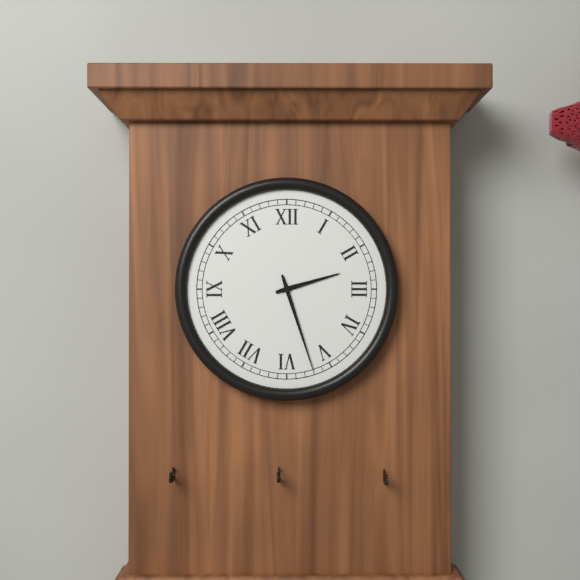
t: 2:27
